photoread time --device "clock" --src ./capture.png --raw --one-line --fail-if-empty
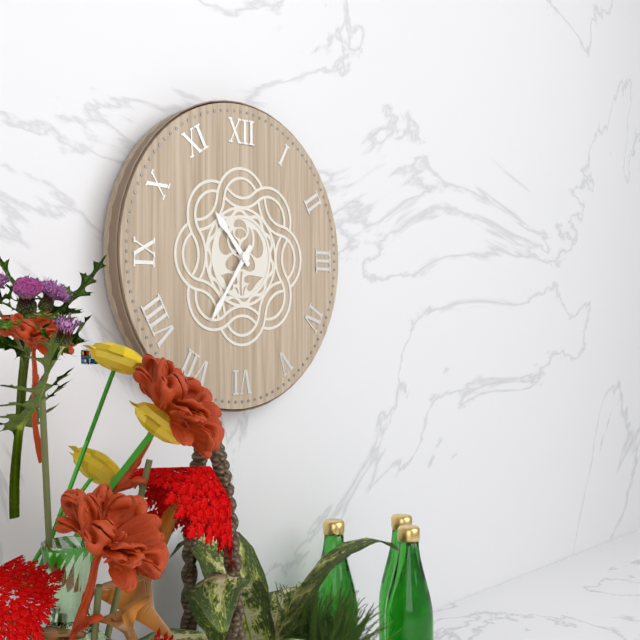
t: 10:36
